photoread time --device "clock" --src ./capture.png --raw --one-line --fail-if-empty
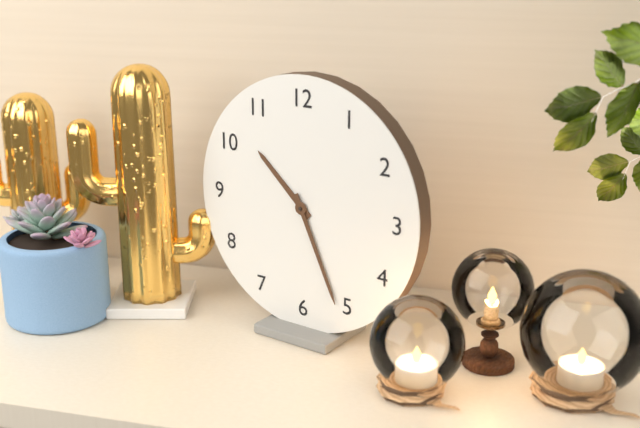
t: 10:26
